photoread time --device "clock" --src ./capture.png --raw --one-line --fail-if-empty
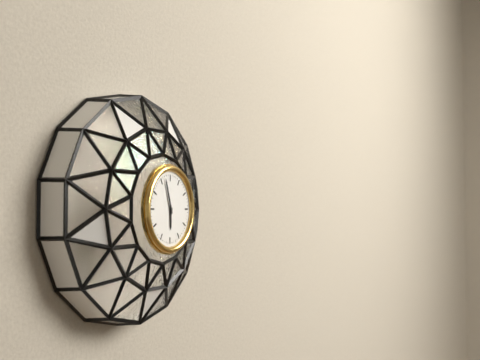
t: 5:57
